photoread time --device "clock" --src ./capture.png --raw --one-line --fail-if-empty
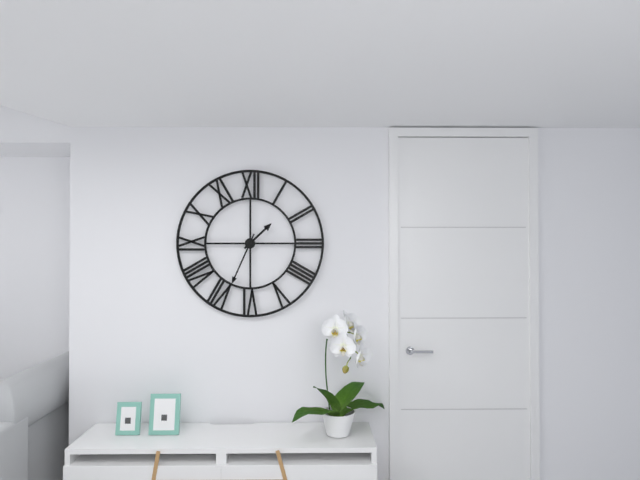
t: 1:34
